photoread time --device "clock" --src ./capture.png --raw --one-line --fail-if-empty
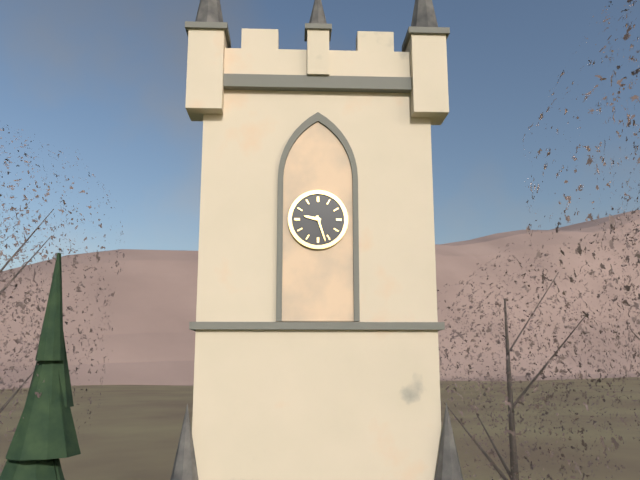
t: 9:27
